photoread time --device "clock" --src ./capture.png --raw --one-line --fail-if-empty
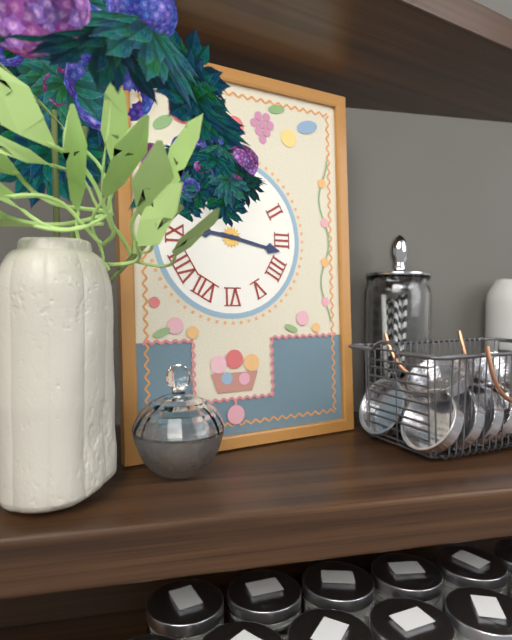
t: 9:17
